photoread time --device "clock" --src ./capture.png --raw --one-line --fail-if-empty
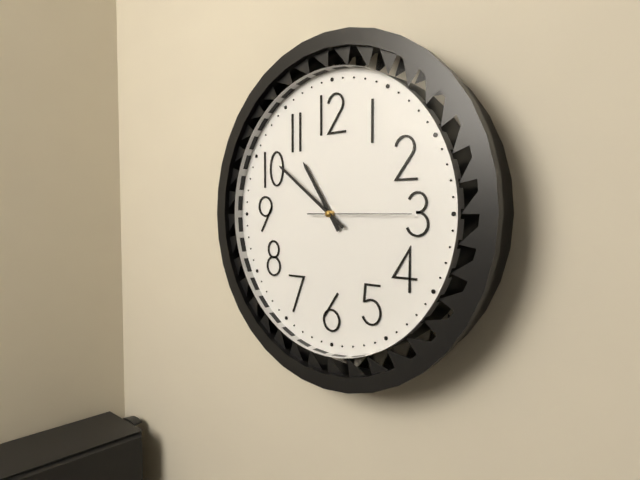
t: 10:51:15
